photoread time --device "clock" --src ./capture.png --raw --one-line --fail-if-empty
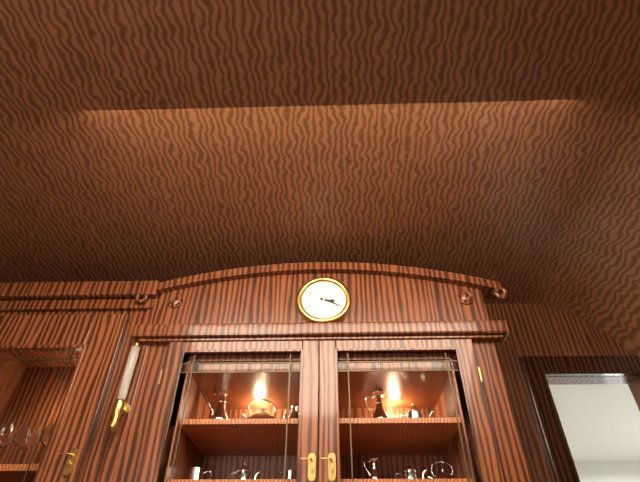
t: 3:19
